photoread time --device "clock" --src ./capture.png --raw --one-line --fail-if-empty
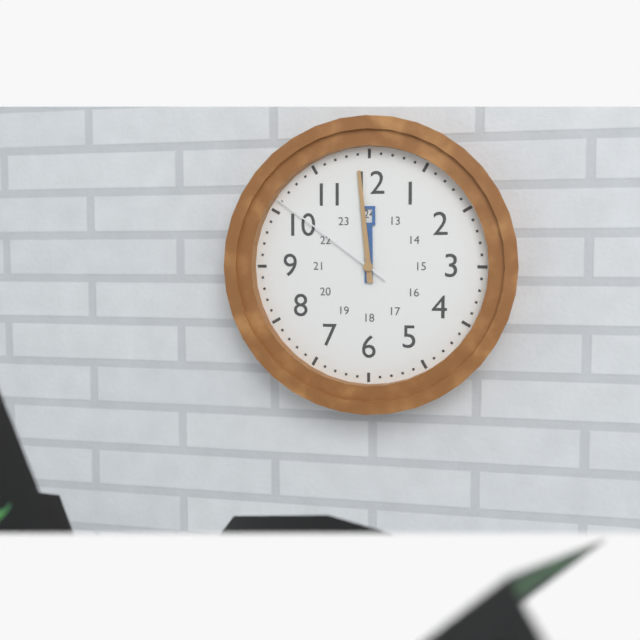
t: 11:59:51
